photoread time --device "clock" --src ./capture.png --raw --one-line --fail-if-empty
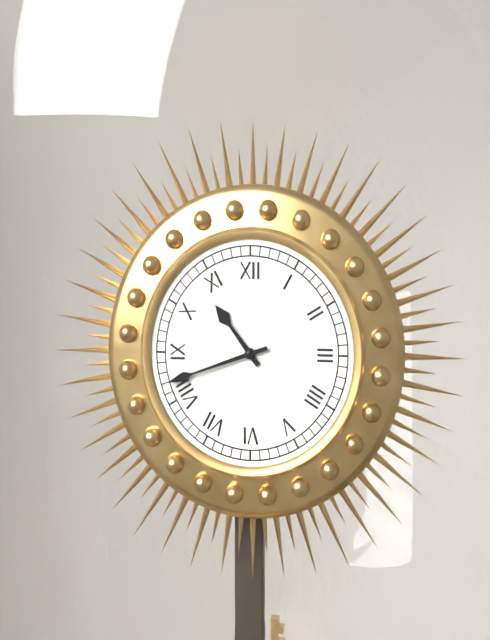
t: 10:42
